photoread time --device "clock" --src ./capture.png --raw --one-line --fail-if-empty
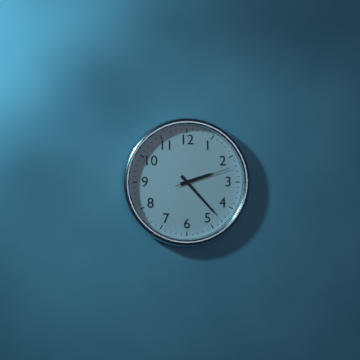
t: 2:23:12
